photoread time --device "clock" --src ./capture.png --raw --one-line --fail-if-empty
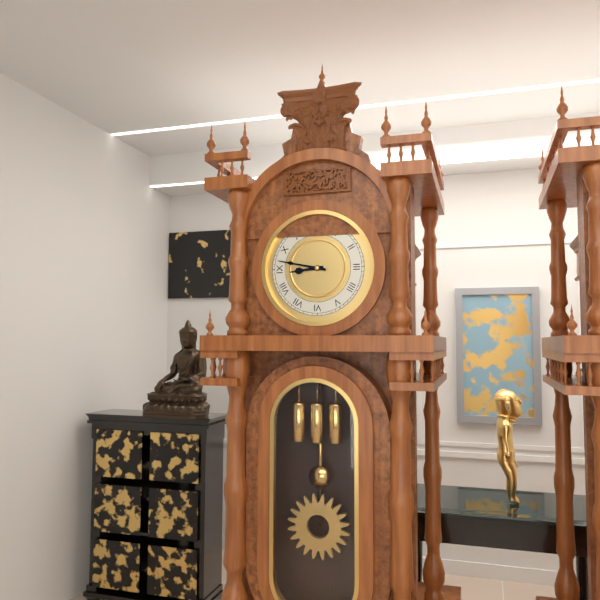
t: 8:47
